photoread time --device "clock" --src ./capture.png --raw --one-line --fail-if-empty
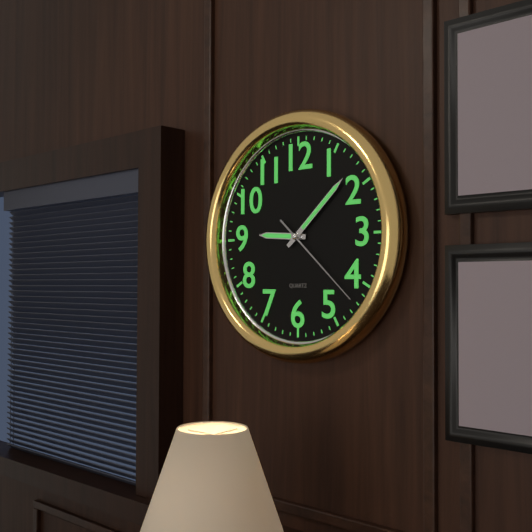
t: 9:08:22
